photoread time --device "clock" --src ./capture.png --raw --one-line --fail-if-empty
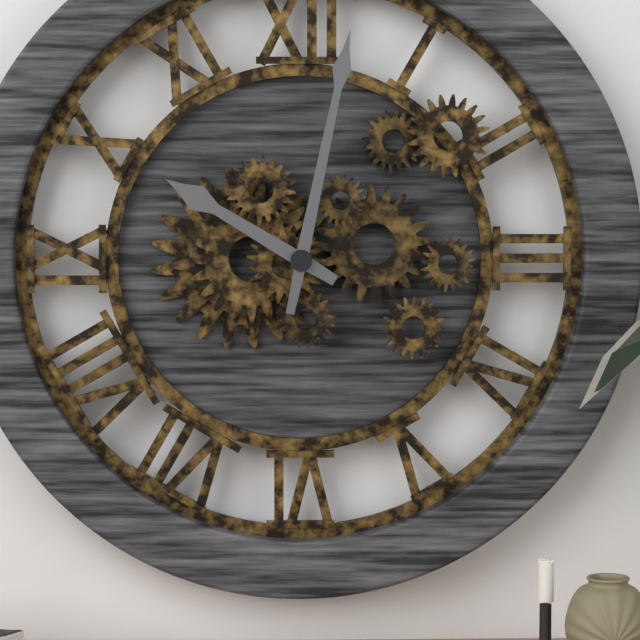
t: 10:02
